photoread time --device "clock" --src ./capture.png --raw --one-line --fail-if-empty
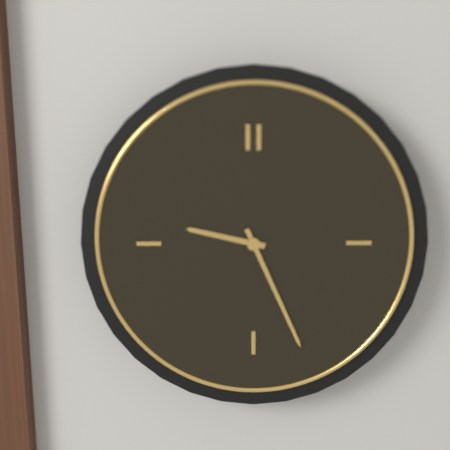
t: 9:26
